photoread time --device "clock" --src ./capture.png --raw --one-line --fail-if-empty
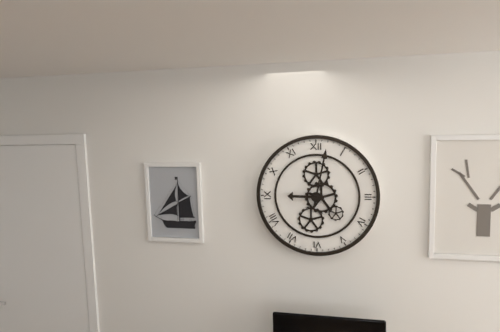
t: 9:02
